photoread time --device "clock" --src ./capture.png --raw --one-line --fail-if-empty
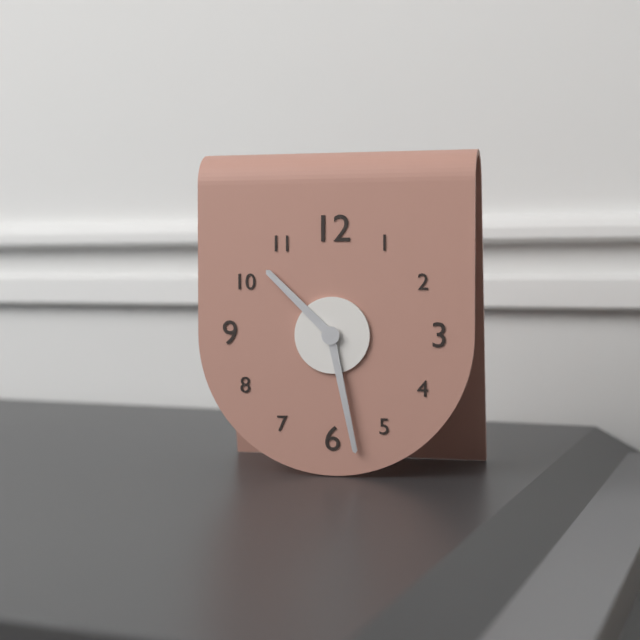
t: 10:28
